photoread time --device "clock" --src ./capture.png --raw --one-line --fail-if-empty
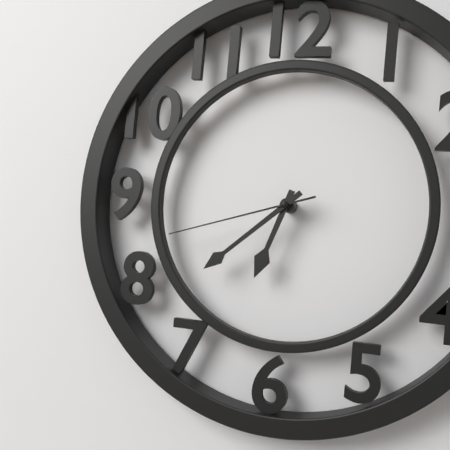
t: 6:38:42
